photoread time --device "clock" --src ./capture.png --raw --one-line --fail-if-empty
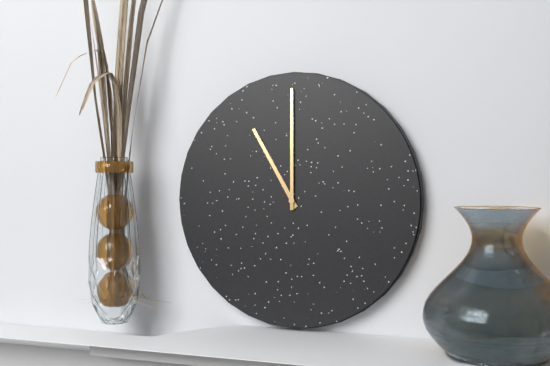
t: 11:00
